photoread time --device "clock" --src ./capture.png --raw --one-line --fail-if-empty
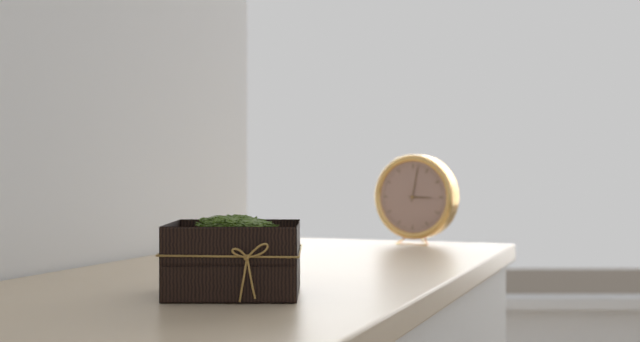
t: 3:02
